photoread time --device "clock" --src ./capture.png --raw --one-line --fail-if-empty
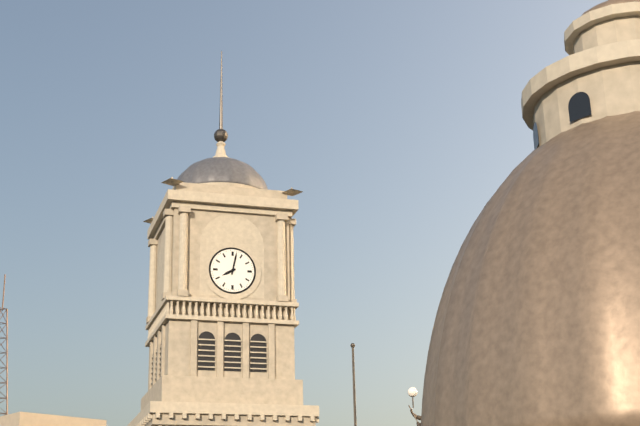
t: 8:02
